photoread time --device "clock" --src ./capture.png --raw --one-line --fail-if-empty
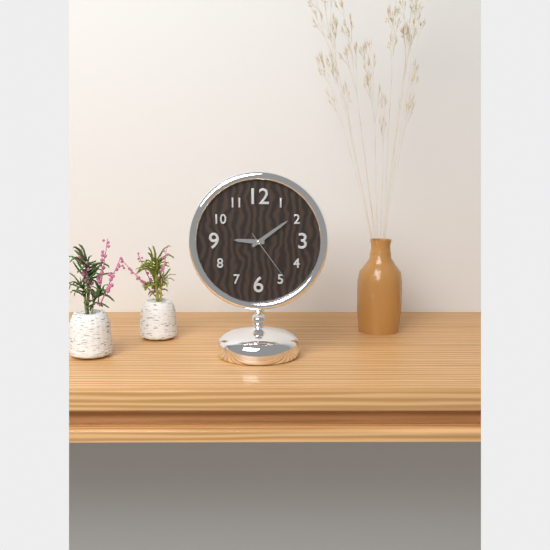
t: 9:09:24
